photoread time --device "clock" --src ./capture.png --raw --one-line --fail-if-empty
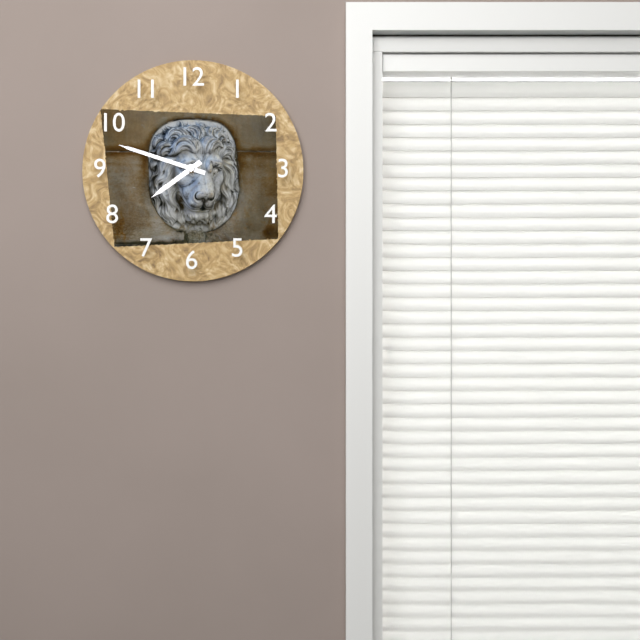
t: 7:48
